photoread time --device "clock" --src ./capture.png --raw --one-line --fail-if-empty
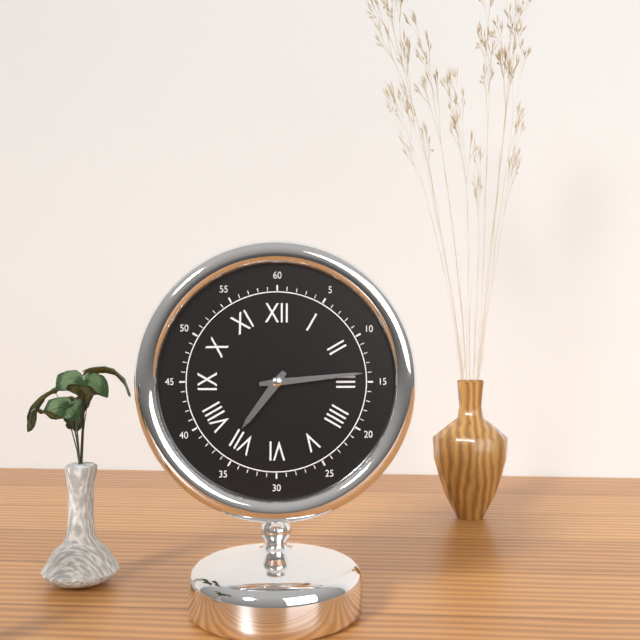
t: 7:14
